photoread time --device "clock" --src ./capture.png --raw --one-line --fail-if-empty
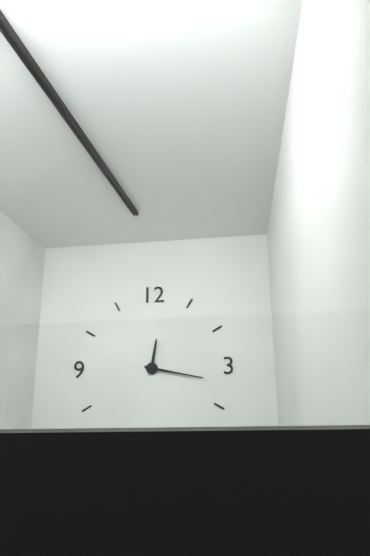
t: 12:17
